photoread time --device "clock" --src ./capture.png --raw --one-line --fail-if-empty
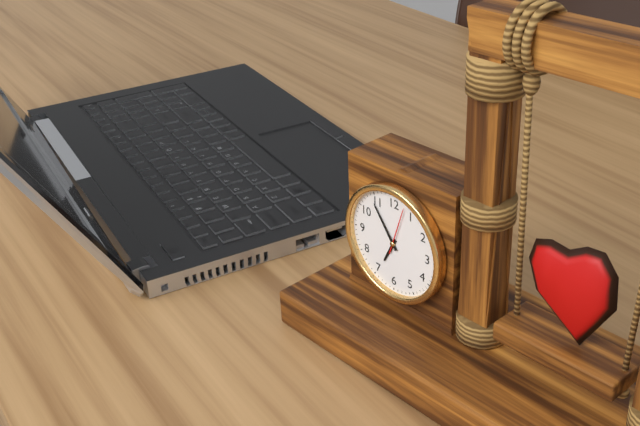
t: 6:54
